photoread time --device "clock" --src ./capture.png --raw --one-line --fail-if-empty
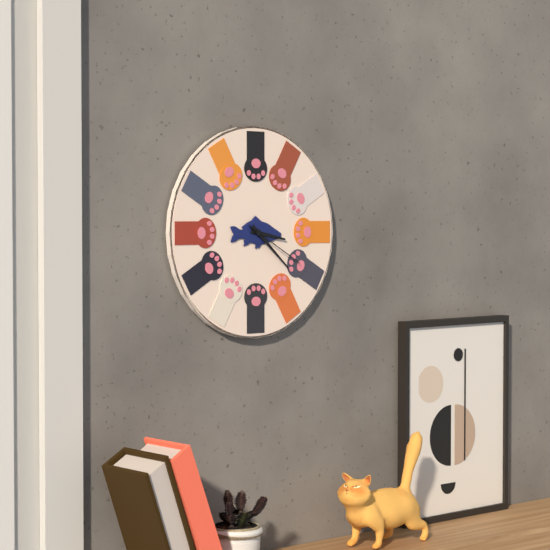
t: 3:22:20
